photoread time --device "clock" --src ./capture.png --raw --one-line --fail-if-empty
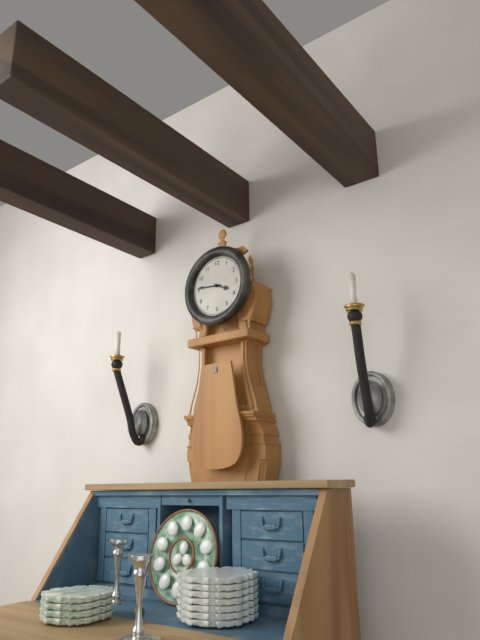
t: 3:46
